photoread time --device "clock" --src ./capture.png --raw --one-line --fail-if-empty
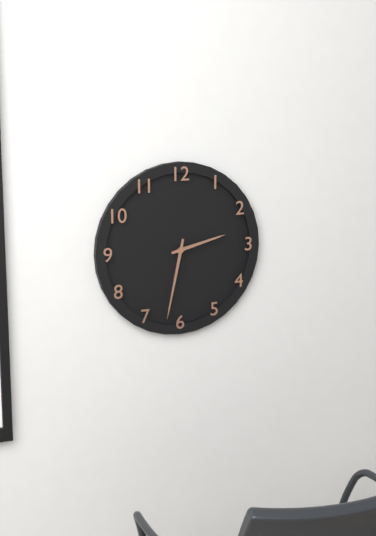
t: 2:32
